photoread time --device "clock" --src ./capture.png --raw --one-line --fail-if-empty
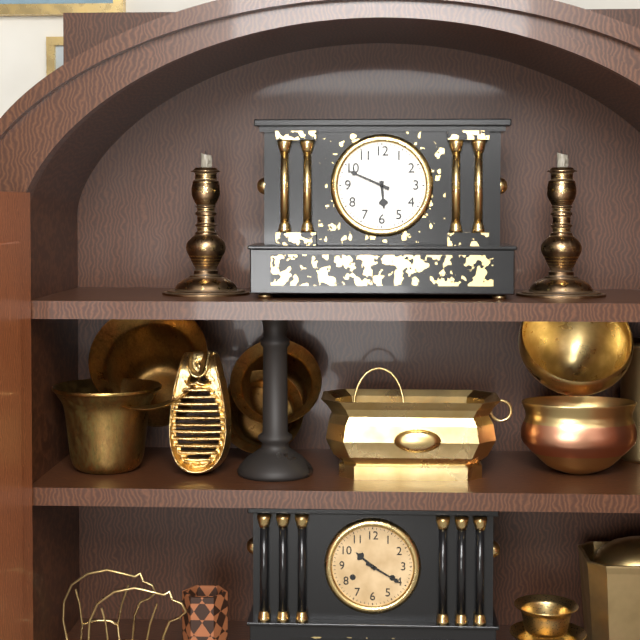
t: 5:49
